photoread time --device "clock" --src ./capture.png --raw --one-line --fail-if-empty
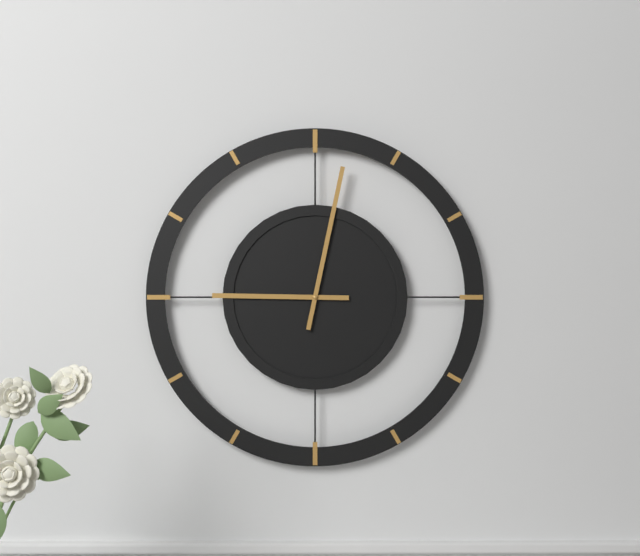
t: 9:02
